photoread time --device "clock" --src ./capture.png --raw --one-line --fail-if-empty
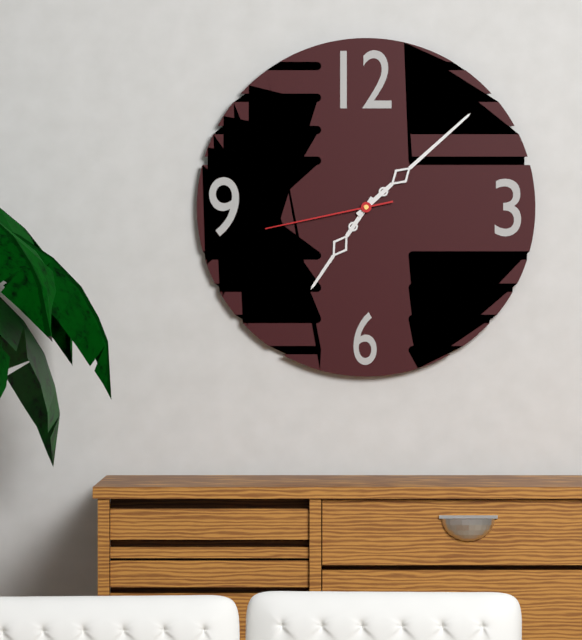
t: 7:08:43
